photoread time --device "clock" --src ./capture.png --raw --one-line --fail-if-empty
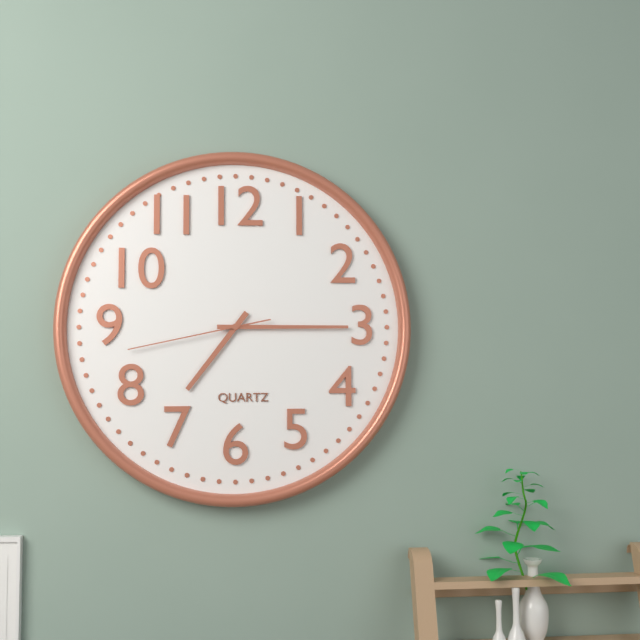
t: 7:15:43
